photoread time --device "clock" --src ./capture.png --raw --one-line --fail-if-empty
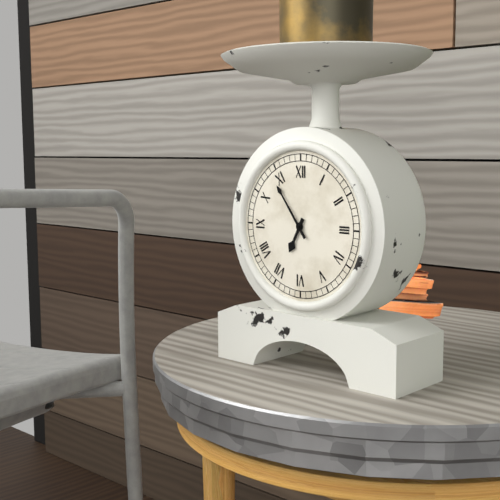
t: 6:54
